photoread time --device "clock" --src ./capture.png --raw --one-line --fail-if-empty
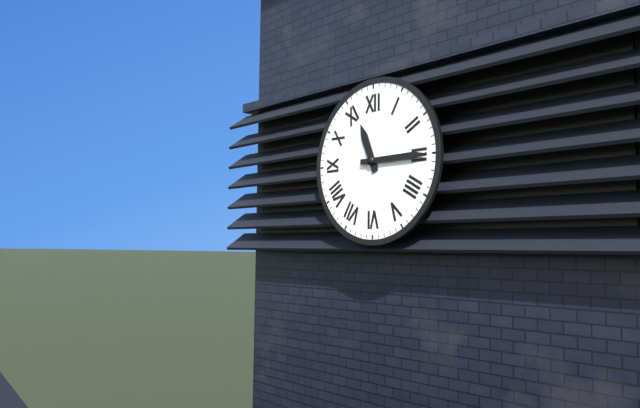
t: 11:15
